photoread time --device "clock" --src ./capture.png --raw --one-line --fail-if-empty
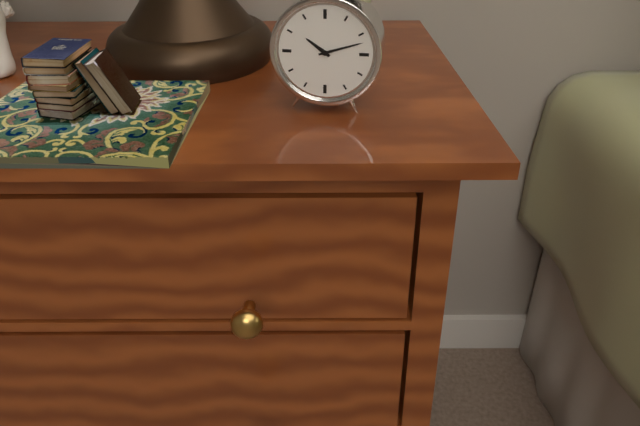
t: 10:12
